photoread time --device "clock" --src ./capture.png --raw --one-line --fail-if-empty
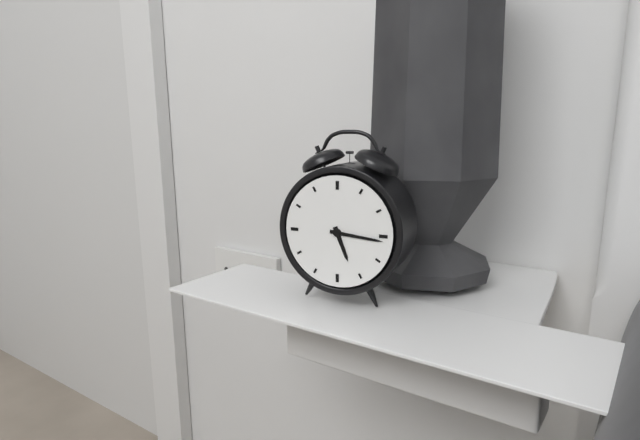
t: 5:16
